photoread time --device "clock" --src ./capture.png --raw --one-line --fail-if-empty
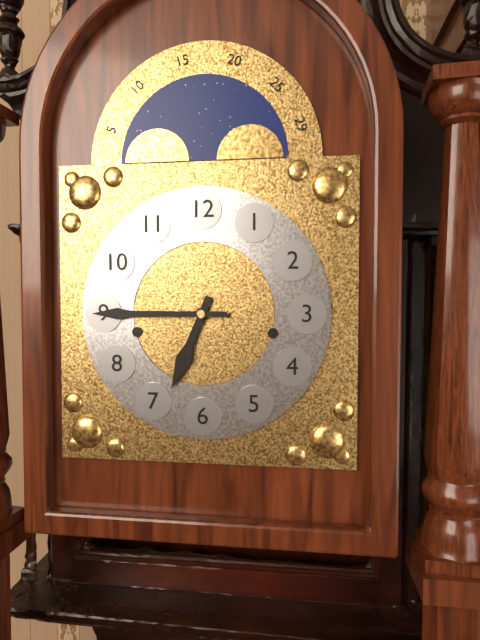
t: 6:45
